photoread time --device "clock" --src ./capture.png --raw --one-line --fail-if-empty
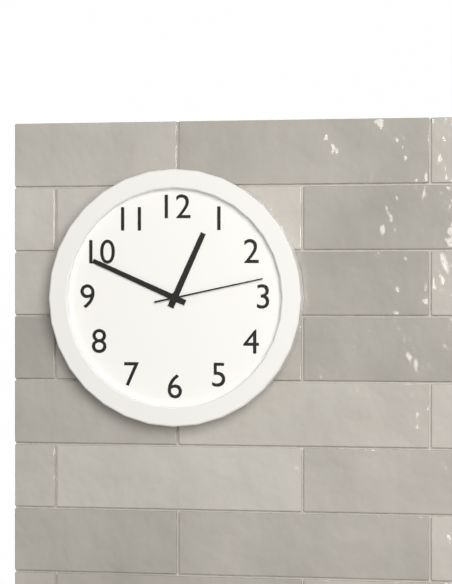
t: 12:49:13
